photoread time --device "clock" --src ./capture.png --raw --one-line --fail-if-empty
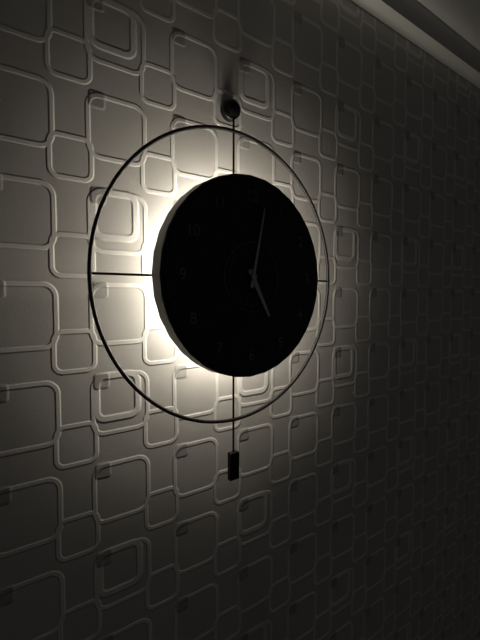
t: 5:02
